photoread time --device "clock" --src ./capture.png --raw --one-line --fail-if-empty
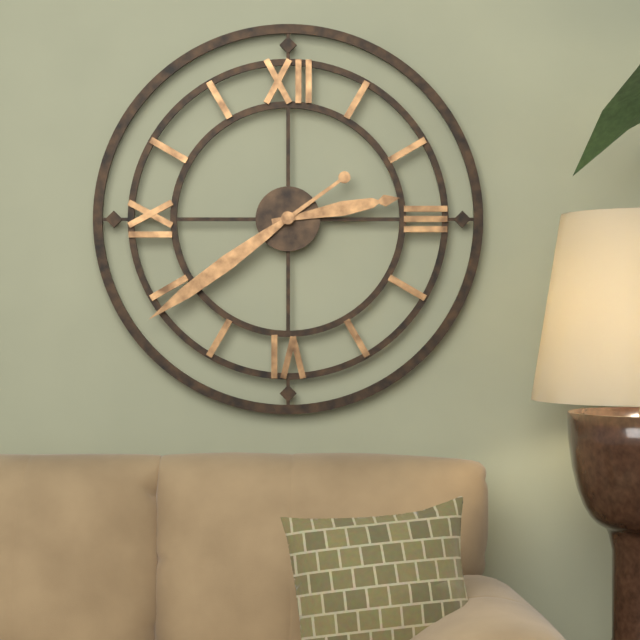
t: 2:39
